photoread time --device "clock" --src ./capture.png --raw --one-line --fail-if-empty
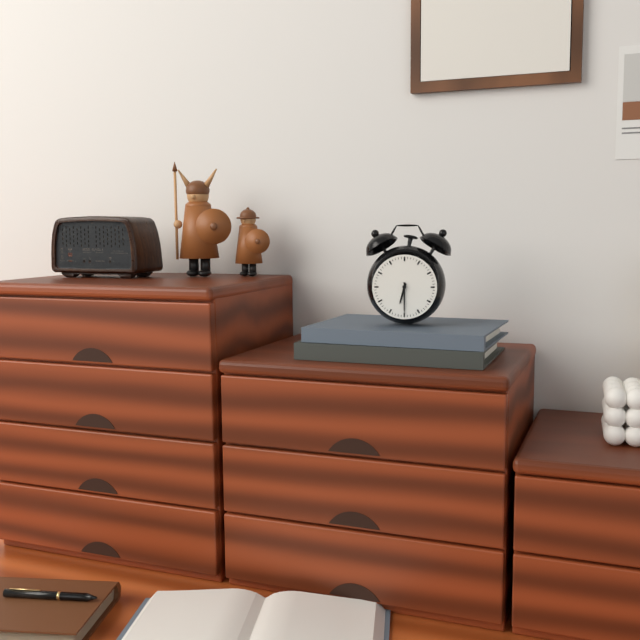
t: 6:30
